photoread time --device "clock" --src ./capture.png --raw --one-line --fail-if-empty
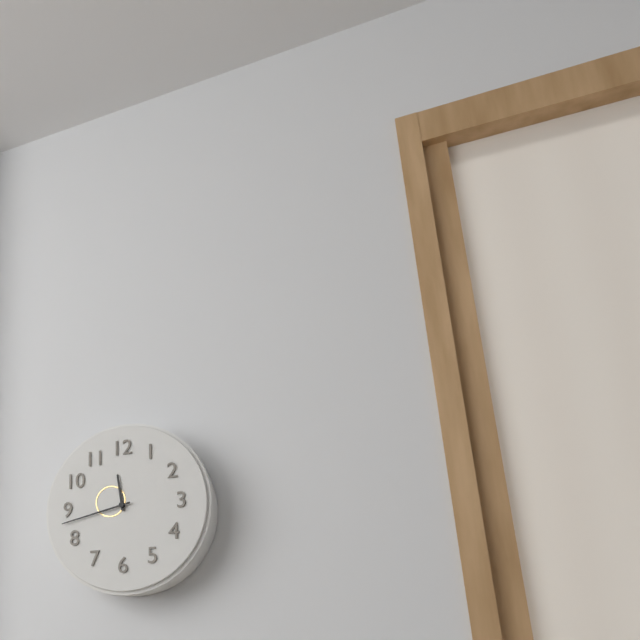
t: 11:43
